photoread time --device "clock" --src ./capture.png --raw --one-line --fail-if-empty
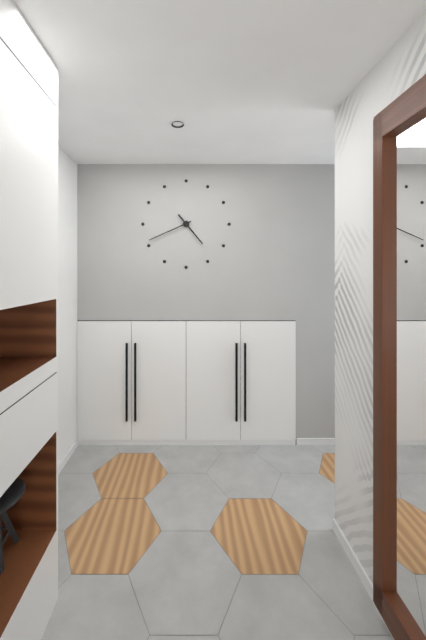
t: 4:41
